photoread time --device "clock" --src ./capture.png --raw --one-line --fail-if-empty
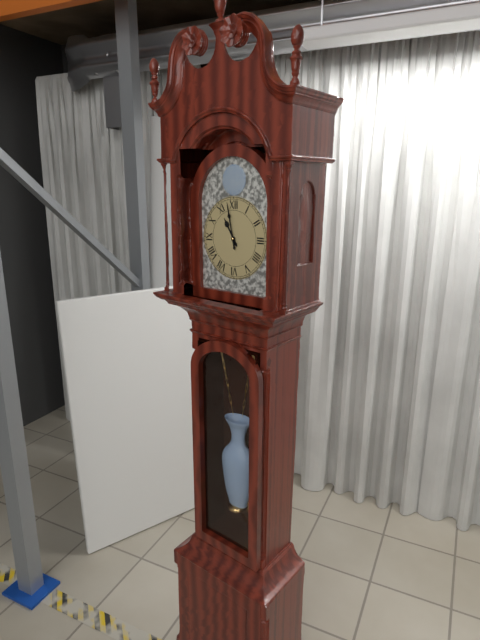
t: 10:58
